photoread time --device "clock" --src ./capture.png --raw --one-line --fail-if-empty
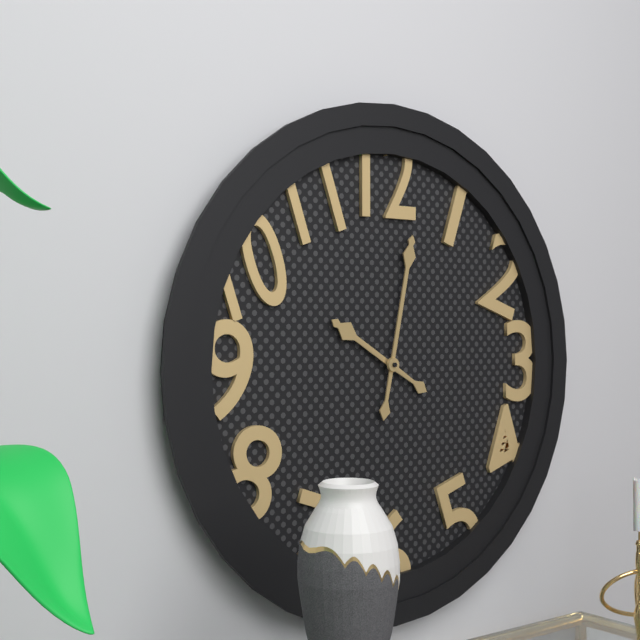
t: 10:02
